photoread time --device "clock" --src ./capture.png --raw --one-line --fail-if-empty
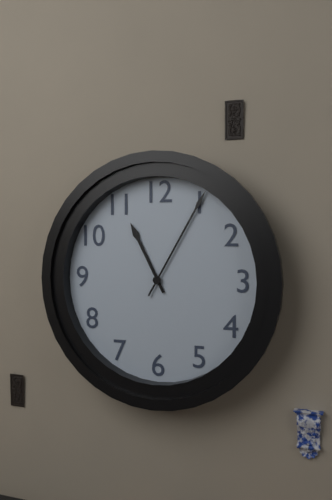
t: 11:05
